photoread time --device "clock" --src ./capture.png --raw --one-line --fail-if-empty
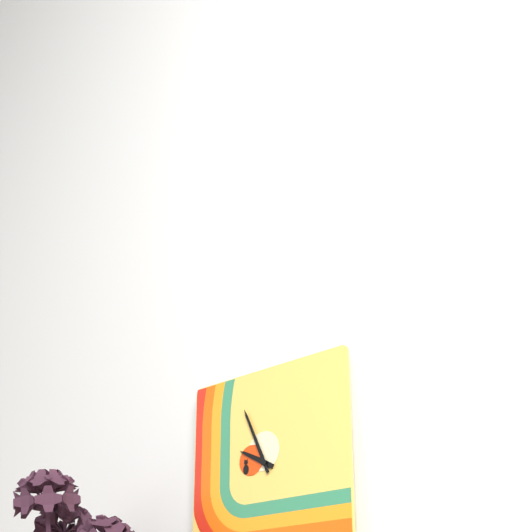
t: 9:56
